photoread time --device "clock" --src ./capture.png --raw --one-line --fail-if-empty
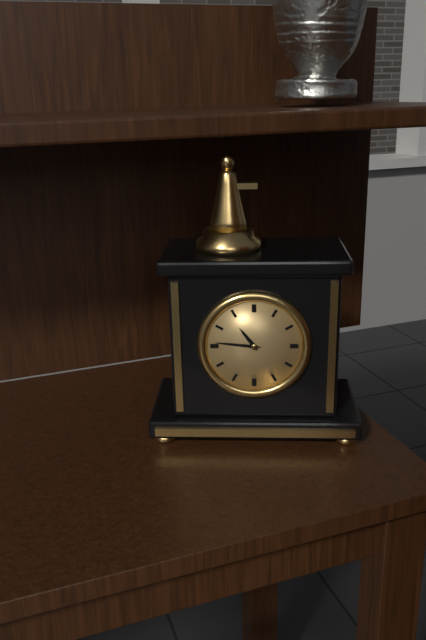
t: 10:46
